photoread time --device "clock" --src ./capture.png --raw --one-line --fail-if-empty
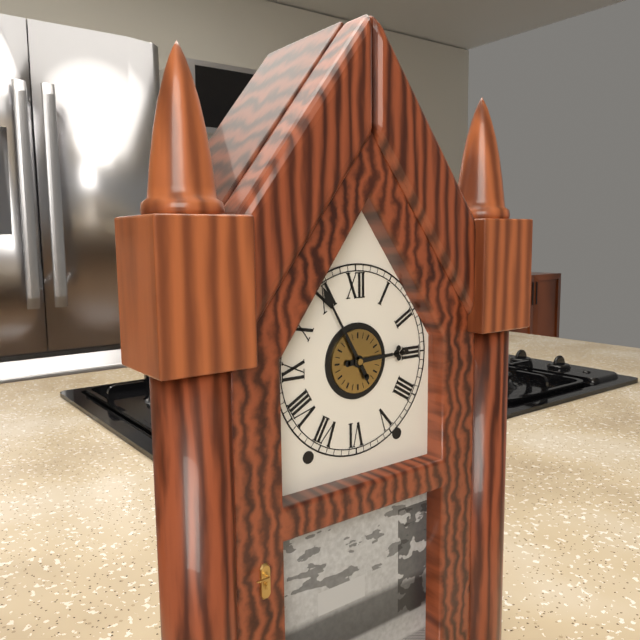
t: 2:55
